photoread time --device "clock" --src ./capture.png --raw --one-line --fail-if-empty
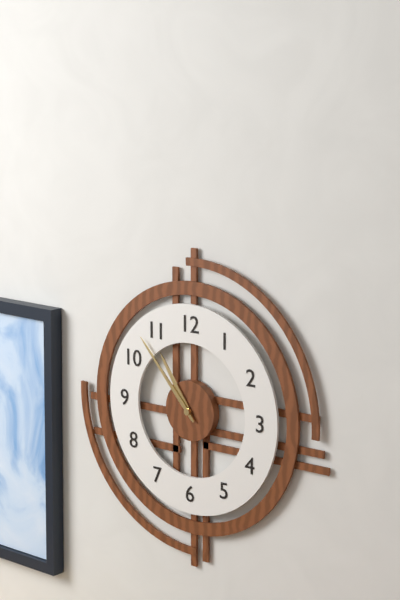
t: 10:53
